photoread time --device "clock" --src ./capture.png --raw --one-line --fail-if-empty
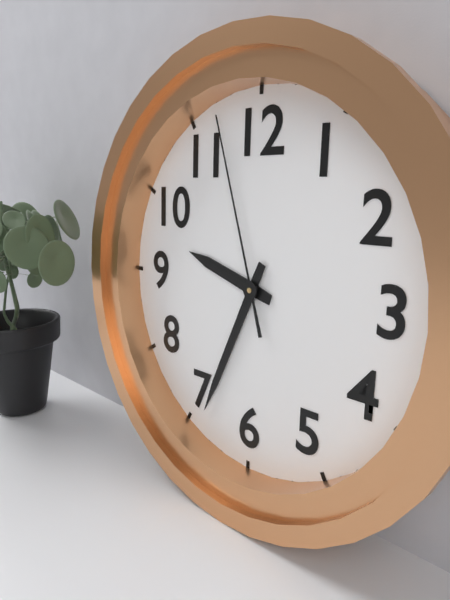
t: 9:34:57
